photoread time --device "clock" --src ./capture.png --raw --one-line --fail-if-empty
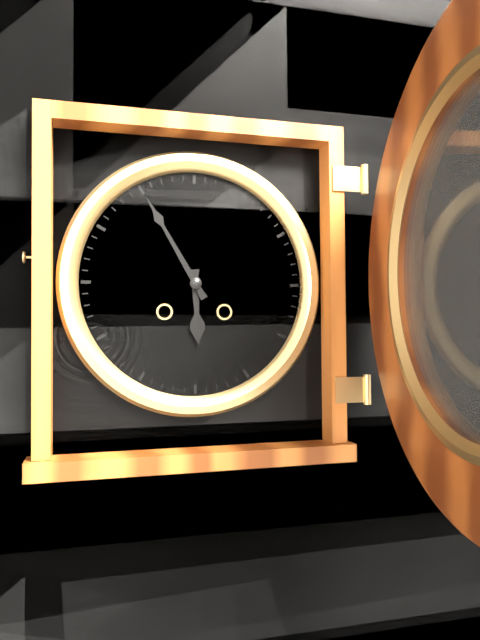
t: 5:55
